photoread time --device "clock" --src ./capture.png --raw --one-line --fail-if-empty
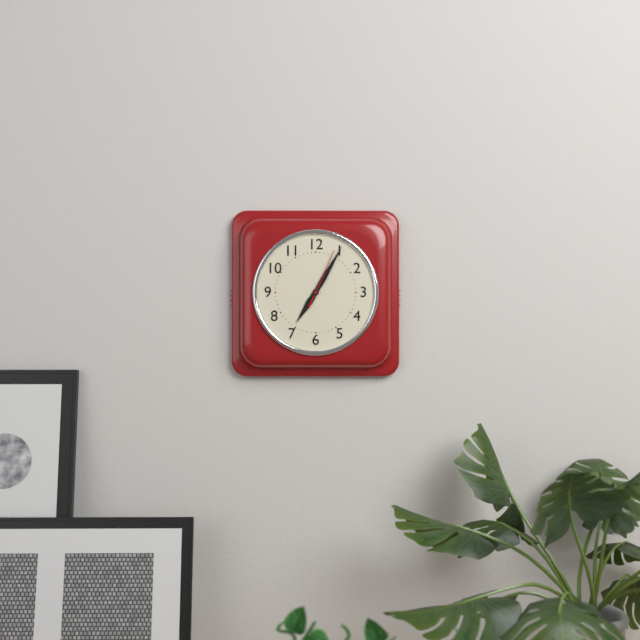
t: 7:05:04
